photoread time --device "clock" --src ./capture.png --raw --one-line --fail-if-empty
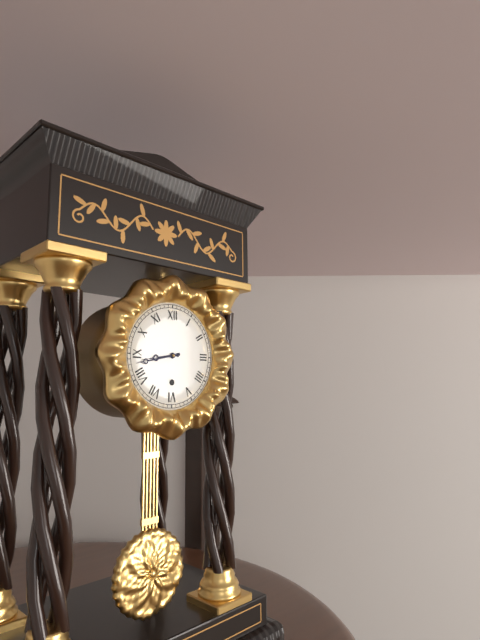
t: 8:43
